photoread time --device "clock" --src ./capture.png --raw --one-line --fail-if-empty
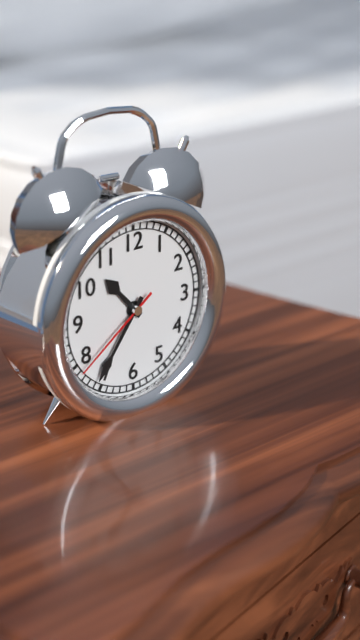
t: 10:36:39
